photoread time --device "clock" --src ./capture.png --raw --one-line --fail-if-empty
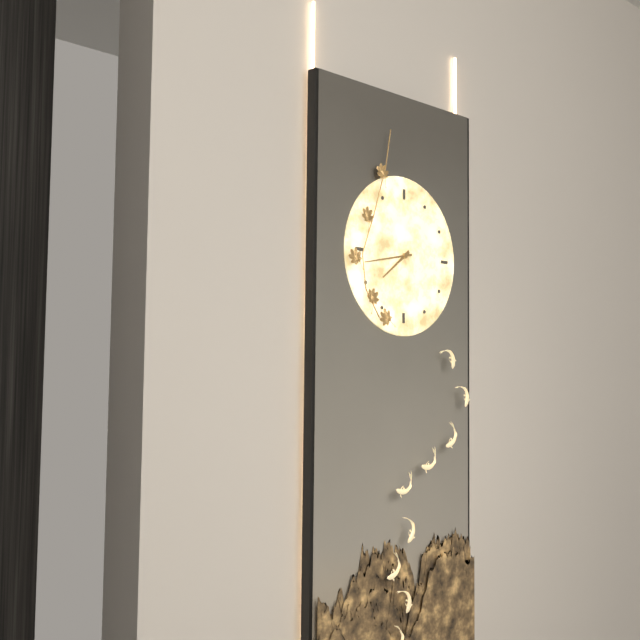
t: 7:43
